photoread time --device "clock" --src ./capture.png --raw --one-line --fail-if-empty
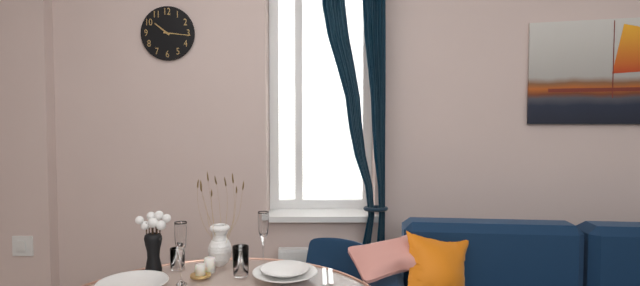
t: 10:16
